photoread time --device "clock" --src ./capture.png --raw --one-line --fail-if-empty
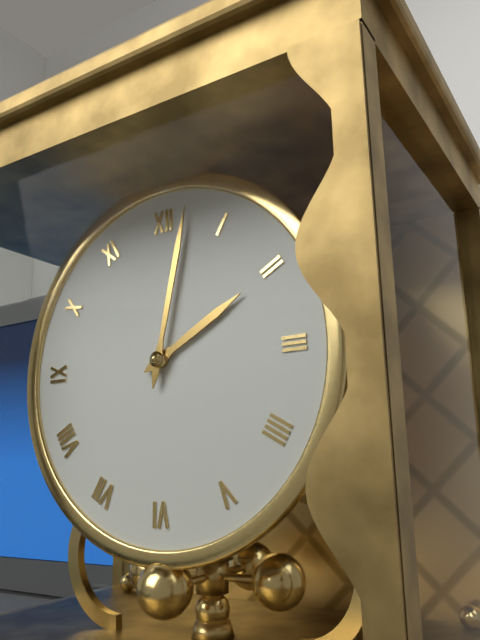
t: 2:02
